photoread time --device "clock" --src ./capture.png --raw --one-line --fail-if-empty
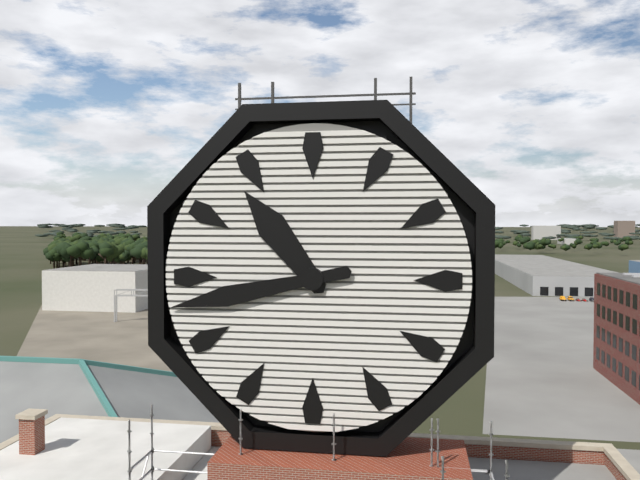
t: 10:43
